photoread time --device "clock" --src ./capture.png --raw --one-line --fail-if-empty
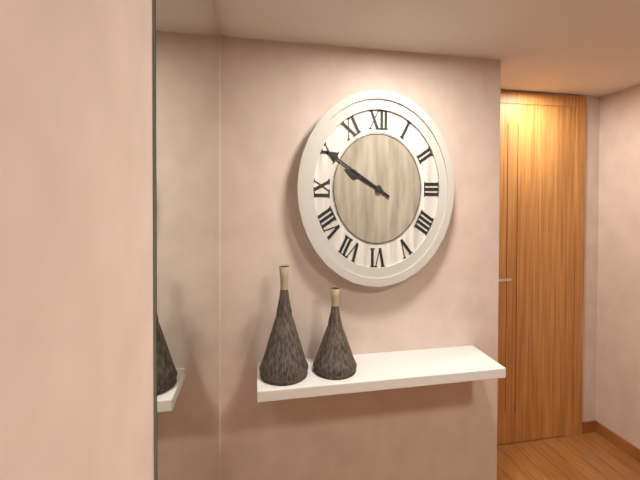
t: 9:50
